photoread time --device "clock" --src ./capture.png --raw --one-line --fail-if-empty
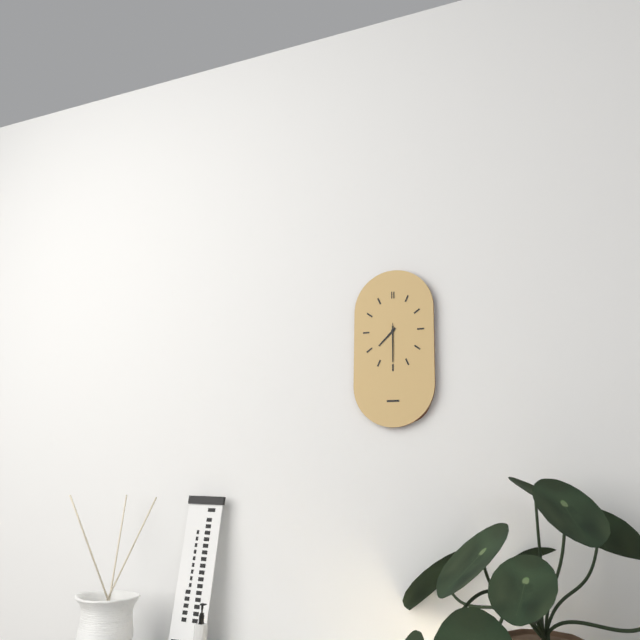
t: 7:30
